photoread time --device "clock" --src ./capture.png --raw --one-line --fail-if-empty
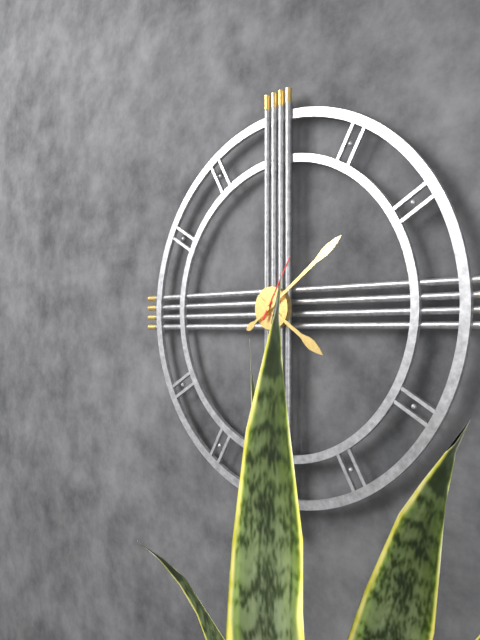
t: 4:09:05
